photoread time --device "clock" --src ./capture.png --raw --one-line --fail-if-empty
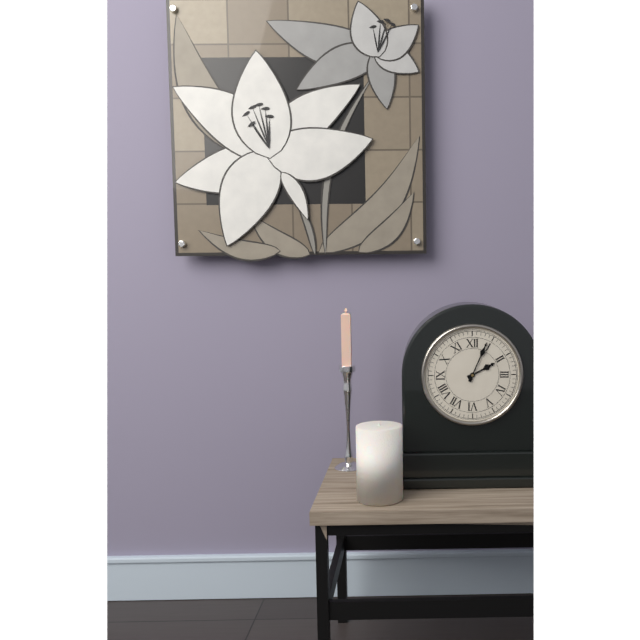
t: 2:04
